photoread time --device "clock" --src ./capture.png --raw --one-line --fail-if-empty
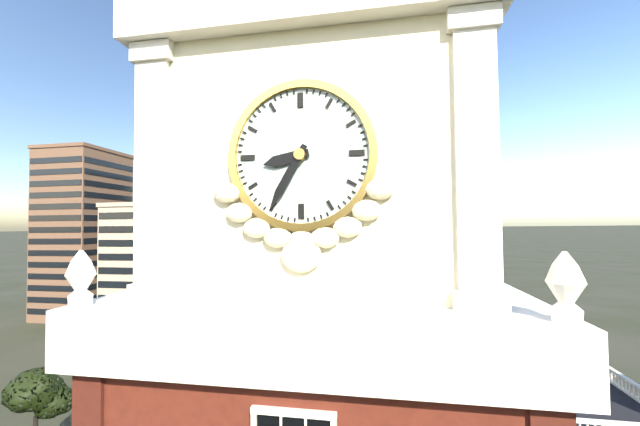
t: 8:35
